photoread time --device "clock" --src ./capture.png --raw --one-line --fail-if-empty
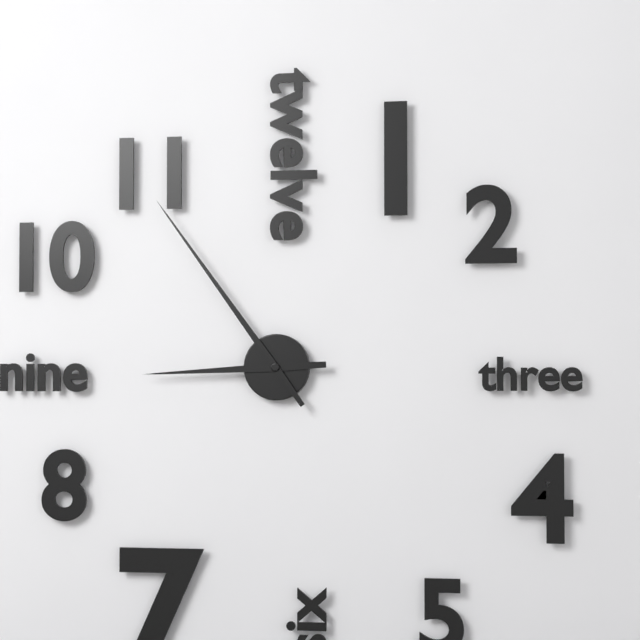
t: 8:54
